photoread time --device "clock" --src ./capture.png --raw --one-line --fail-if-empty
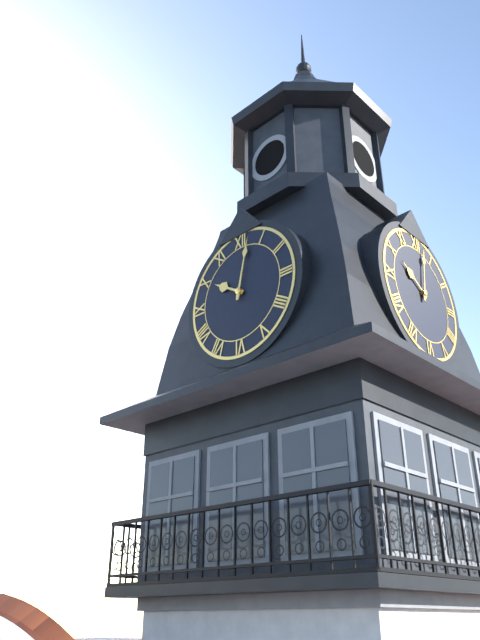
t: 10:02
